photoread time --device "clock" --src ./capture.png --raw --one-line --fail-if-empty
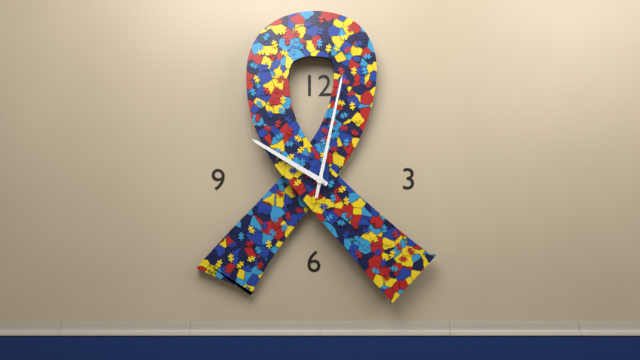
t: 10:02
